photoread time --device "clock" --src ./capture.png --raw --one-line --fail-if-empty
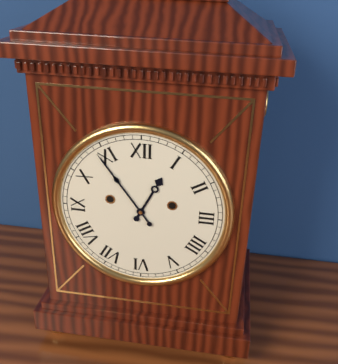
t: 12:54
